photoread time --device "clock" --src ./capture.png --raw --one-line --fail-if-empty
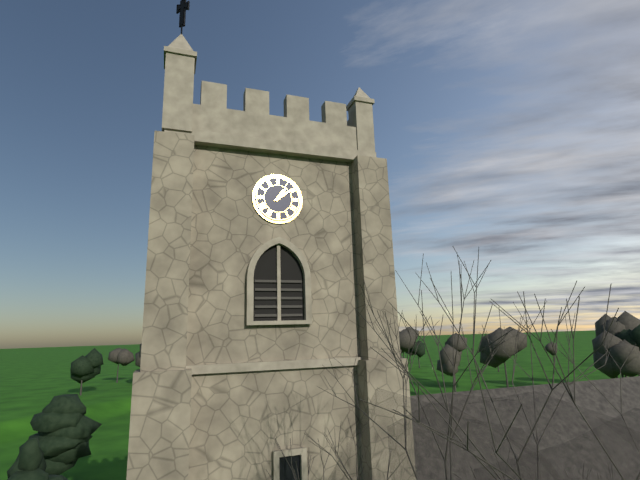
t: 1:09
